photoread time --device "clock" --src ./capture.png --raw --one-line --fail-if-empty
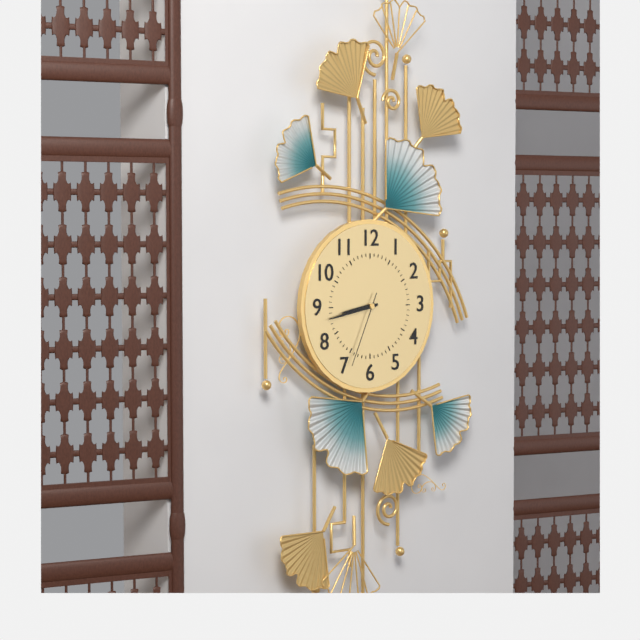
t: 8:43:34
